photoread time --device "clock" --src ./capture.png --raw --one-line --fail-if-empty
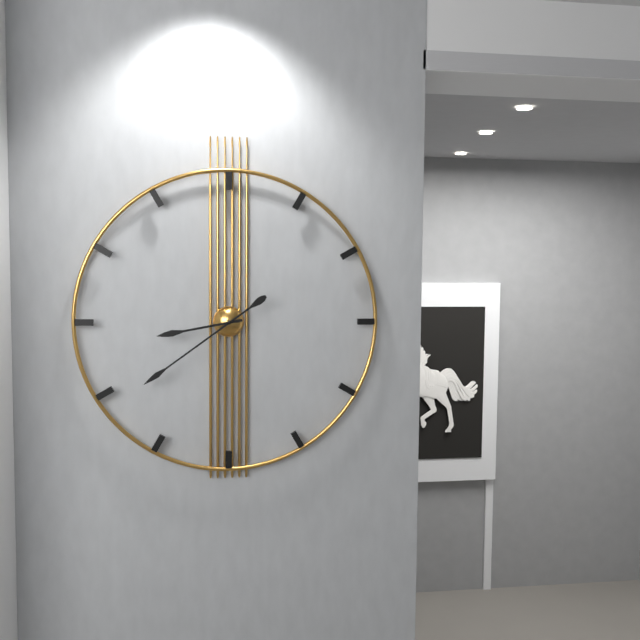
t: 8:39
